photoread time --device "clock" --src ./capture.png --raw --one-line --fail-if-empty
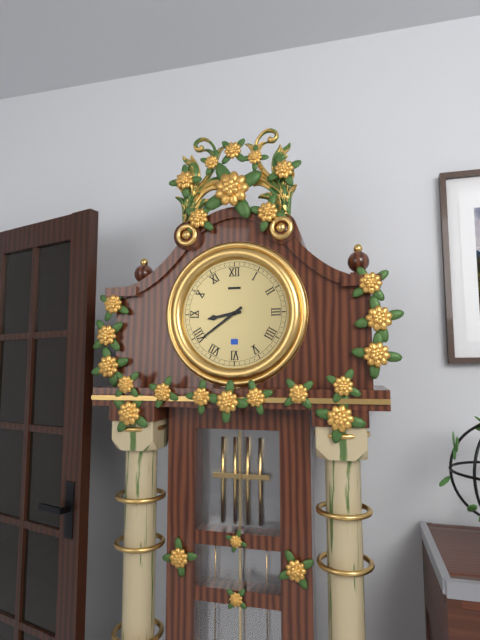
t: 8:39
